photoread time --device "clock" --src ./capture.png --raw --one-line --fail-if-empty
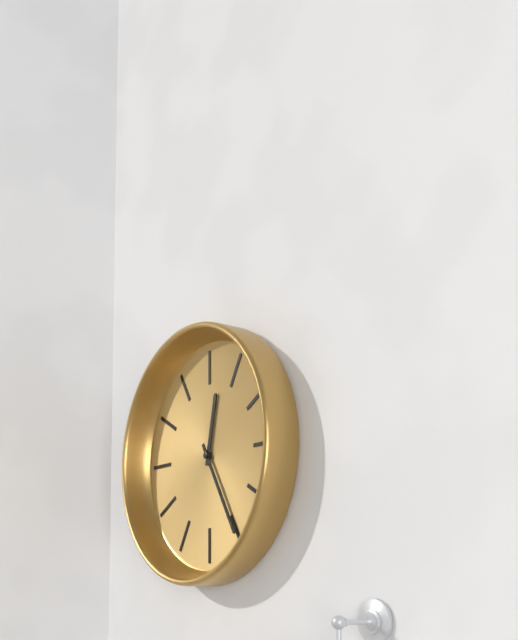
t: 12:25
